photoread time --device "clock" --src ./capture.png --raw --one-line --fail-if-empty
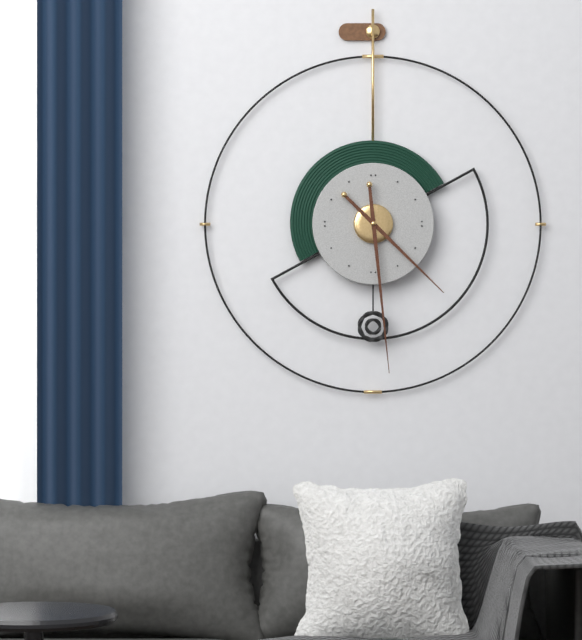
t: 4:29
